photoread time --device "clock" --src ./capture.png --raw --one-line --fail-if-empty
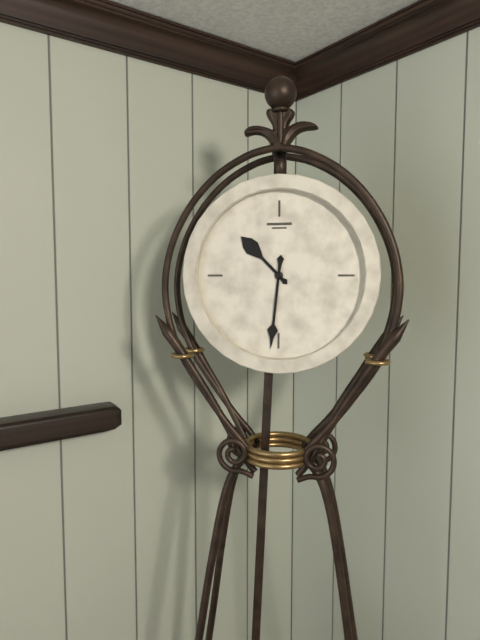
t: 10:31
